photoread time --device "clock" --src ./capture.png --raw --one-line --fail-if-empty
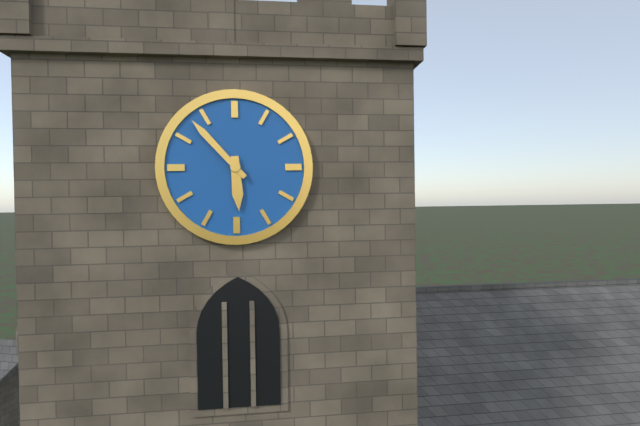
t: 5:53
